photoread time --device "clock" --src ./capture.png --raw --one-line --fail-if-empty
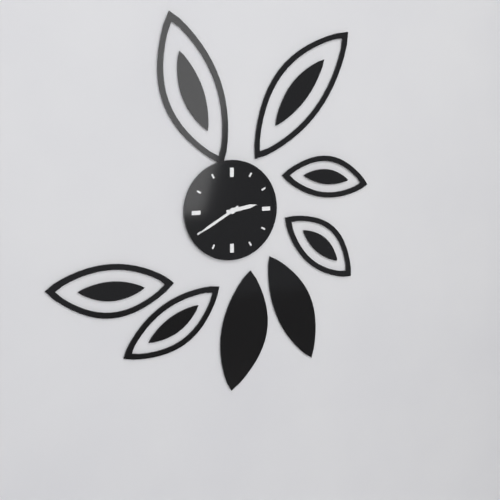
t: 2:40
